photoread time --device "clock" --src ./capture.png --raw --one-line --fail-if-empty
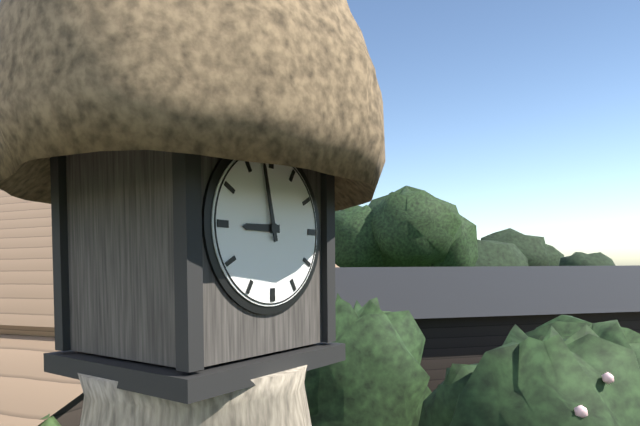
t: 8:58
